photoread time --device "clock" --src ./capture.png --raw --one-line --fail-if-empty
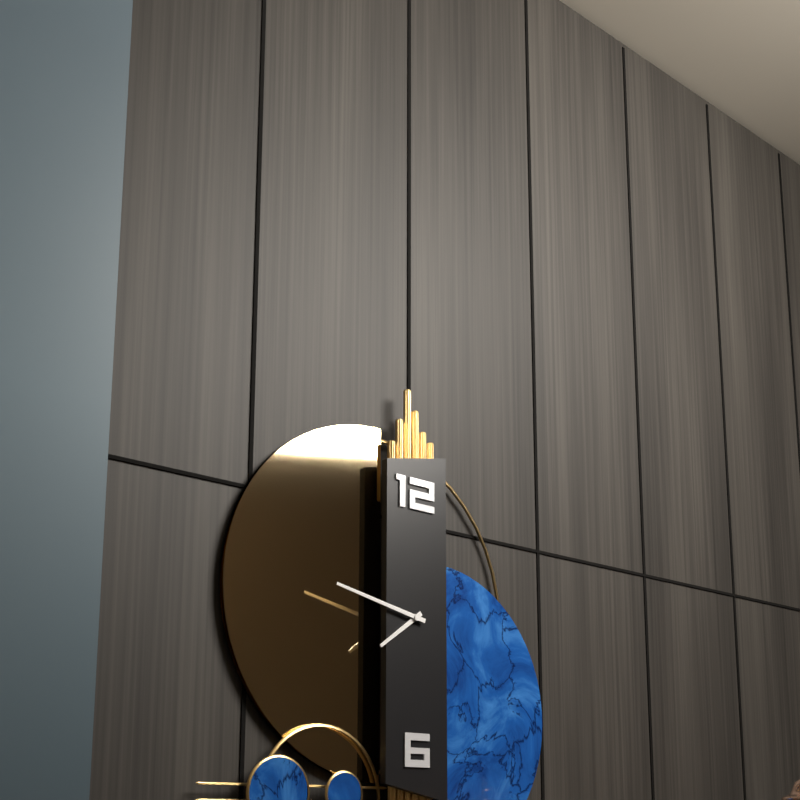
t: 7:47
